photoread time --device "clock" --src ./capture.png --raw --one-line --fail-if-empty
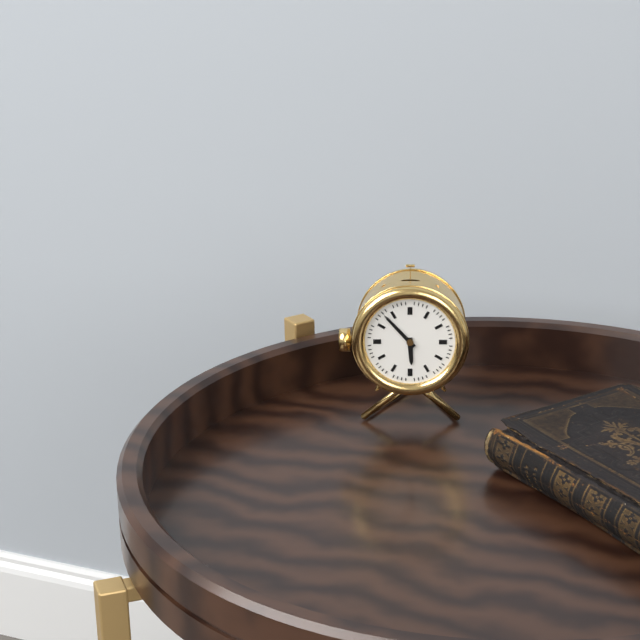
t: 5:53
